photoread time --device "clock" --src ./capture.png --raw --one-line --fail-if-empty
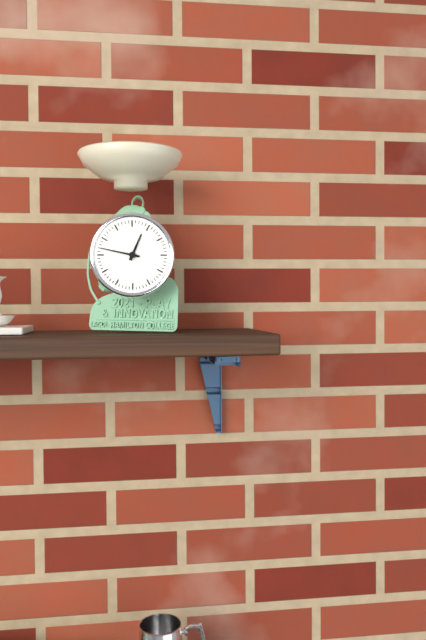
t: 12:47
